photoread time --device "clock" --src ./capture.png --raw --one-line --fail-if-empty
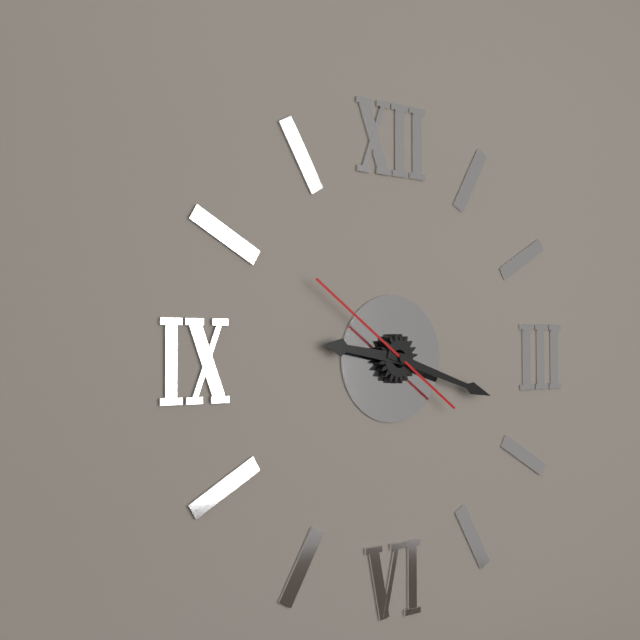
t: 9:18:51
